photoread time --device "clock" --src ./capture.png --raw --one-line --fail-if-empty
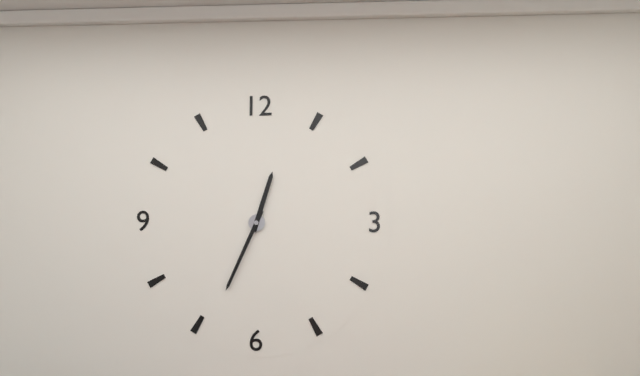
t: 12:34
